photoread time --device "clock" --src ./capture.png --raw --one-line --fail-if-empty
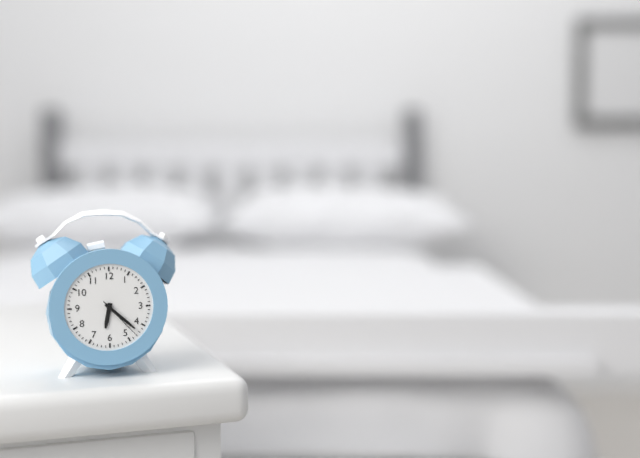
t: 6:22
